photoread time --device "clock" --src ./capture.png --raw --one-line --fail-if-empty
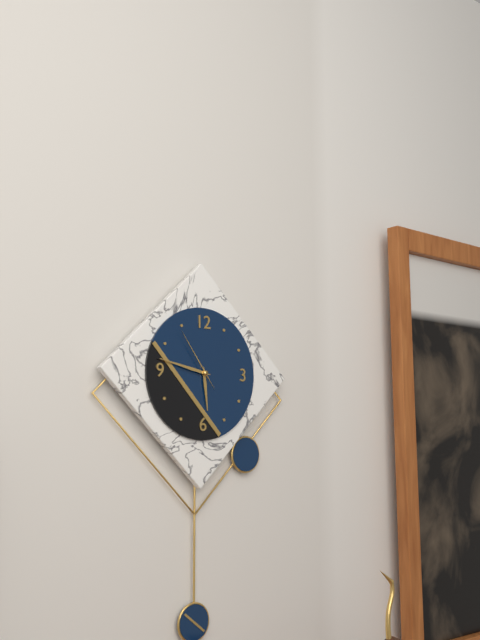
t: 5:47:54
